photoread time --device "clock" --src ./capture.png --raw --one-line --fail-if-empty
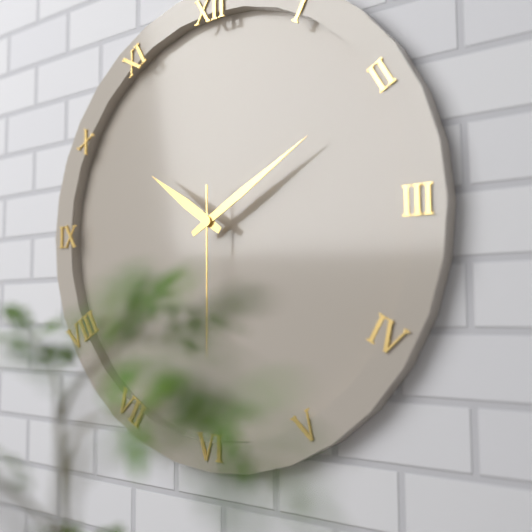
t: 10:10:30
